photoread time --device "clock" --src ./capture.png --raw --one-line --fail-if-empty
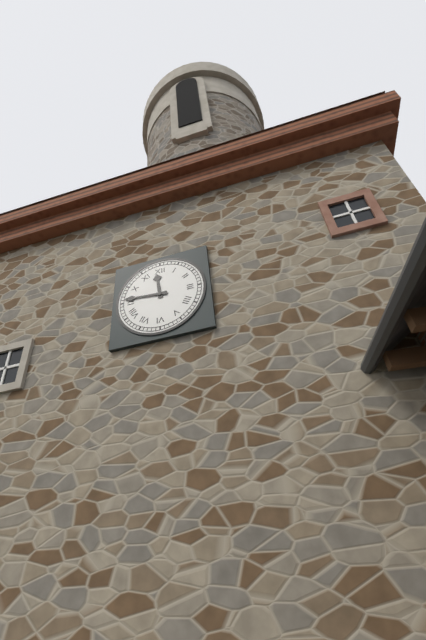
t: 11:46
